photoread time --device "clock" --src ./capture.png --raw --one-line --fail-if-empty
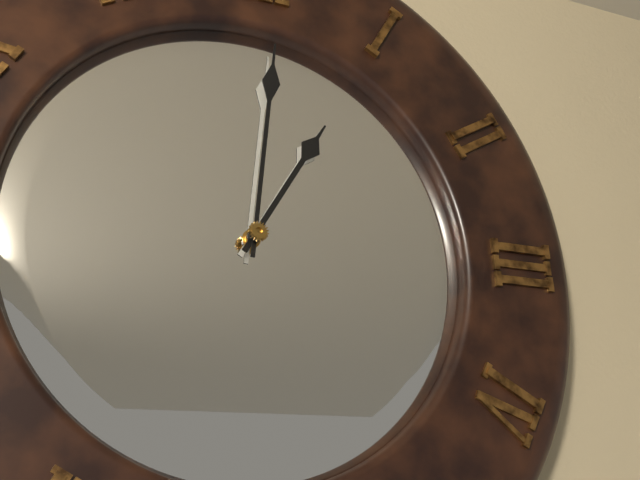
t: 1:01
